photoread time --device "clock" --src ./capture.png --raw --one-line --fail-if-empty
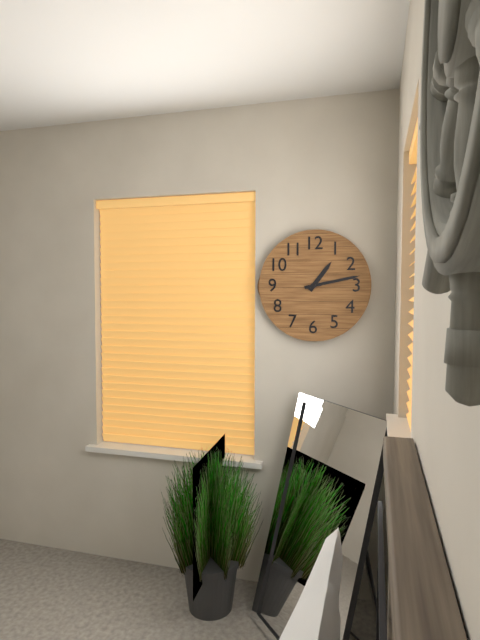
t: 1:13
